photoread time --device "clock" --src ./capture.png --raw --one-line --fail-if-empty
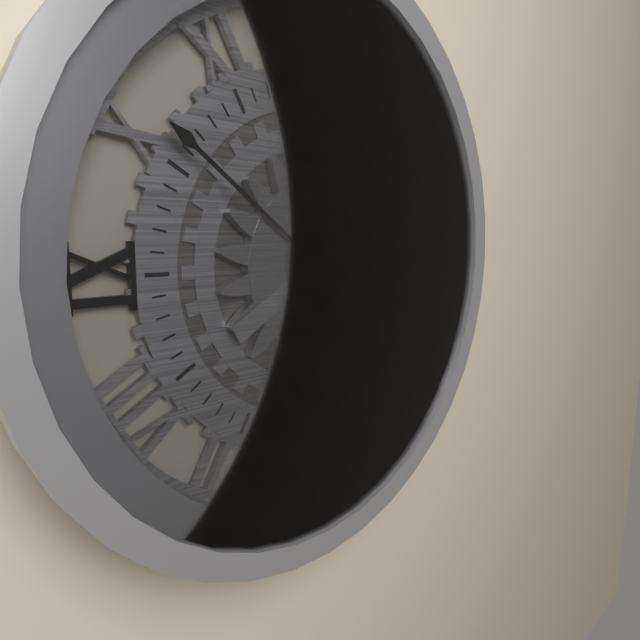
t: 6:51
